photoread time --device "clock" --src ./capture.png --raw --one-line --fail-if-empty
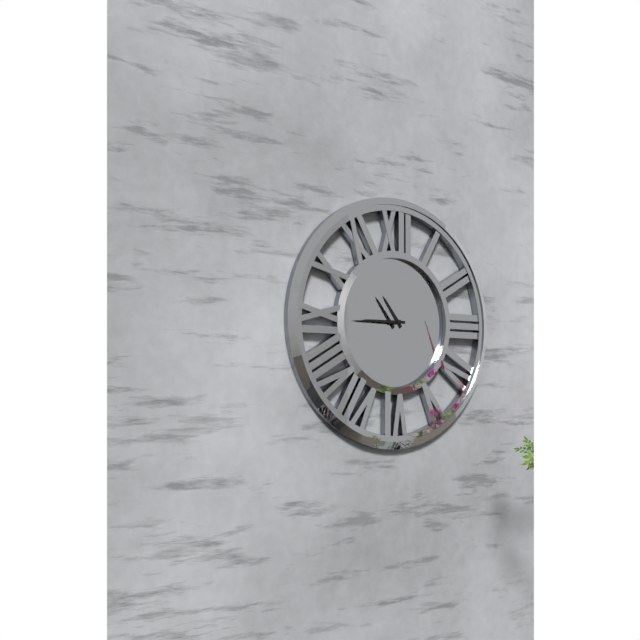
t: 10:45
